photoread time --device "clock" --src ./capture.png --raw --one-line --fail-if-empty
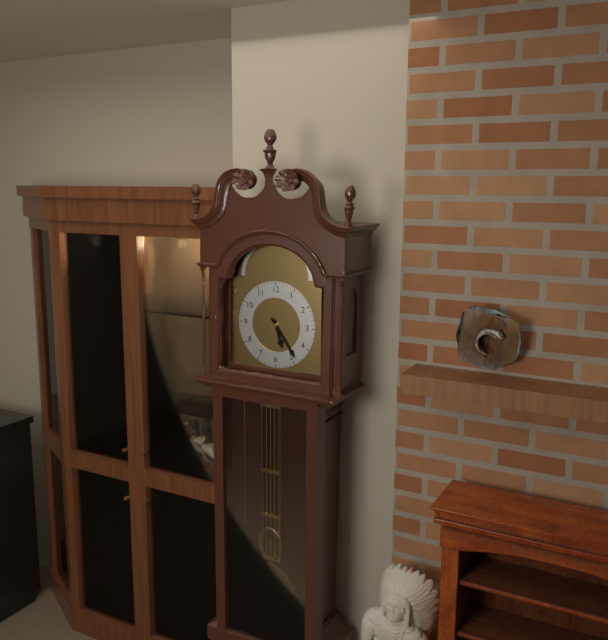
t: 5:24
